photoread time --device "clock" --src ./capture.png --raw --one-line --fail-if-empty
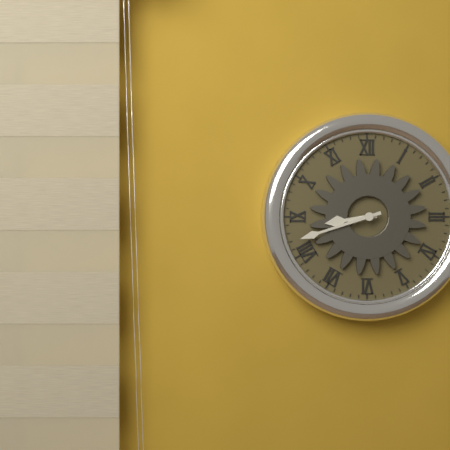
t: 8:42
